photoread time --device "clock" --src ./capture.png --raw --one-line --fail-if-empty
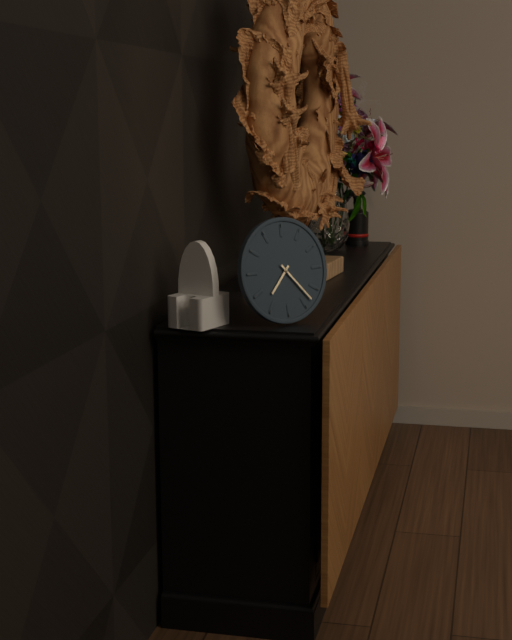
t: 7:23
